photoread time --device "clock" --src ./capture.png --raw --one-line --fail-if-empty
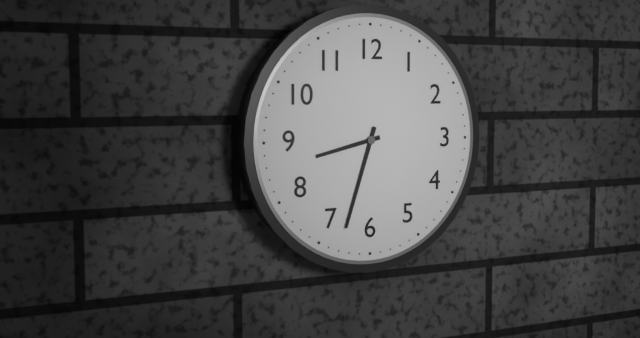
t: 8:33
